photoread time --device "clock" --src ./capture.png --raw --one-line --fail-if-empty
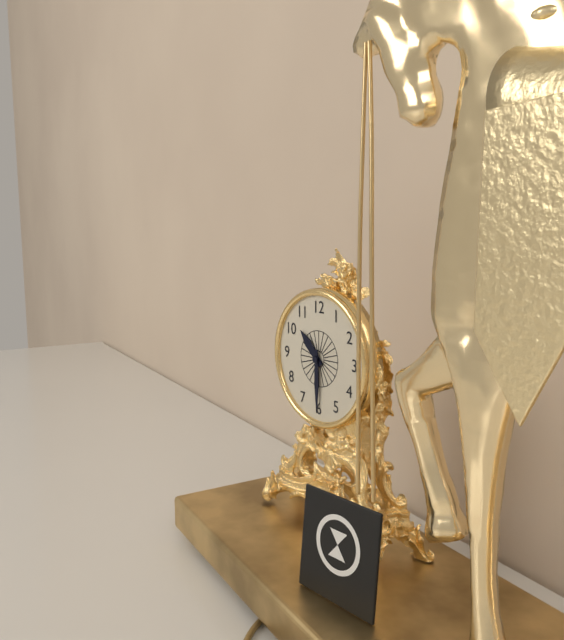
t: 10:30
